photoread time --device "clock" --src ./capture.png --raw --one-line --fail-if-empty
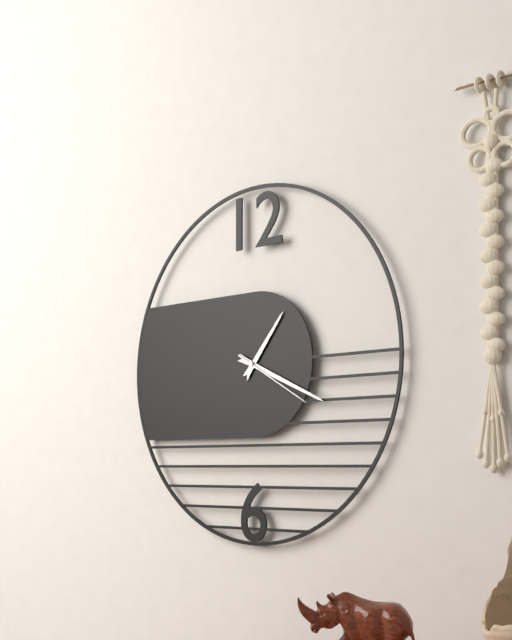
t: 1:19:20
